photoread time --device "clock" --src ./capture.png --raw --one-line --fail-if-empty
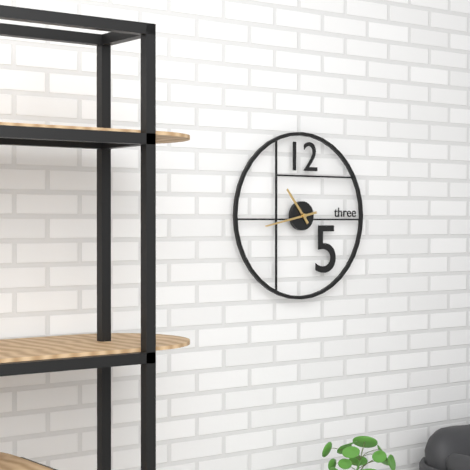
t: 10:43
